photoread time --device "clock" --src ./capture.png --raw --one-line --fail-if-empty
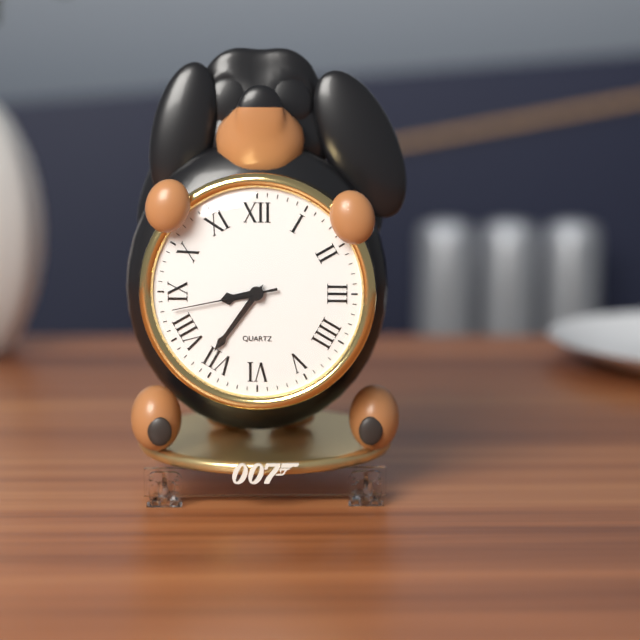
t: 8:36:43
